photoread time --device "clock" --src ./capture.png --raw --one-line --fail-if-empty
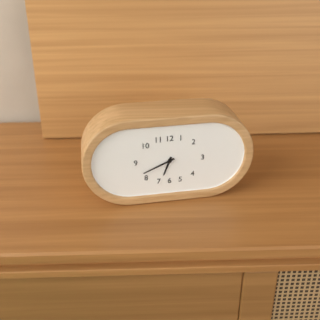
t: 6:41
